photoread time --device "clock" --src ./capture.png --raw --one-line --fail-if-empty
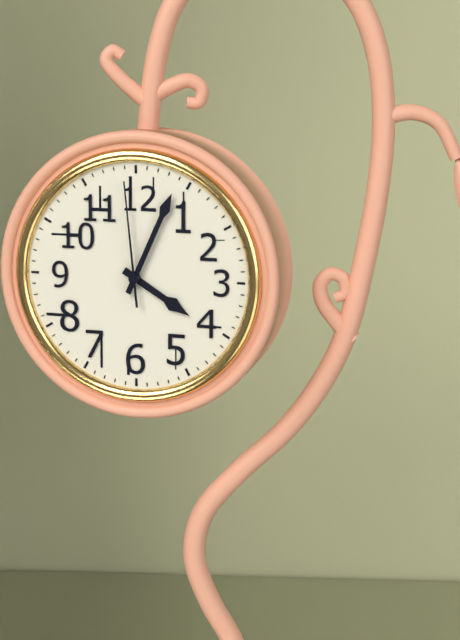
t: 4:04:59
